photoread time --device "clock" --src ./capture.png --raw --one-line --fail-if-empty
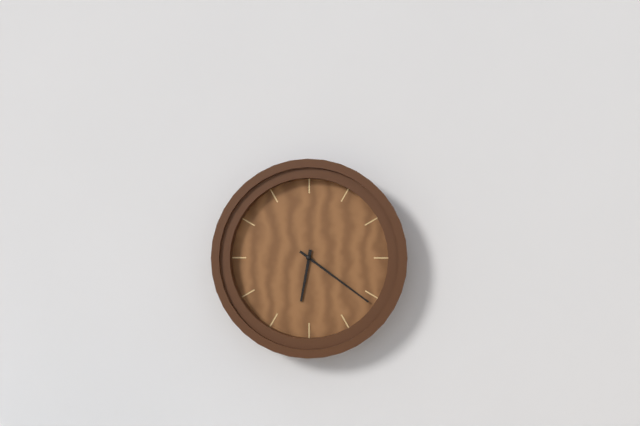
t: 6:21
